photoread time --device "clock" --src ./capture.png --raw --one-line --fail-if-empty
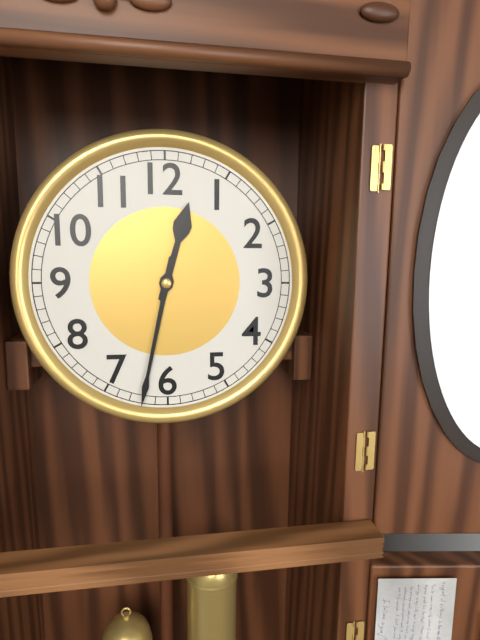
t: 12:32
